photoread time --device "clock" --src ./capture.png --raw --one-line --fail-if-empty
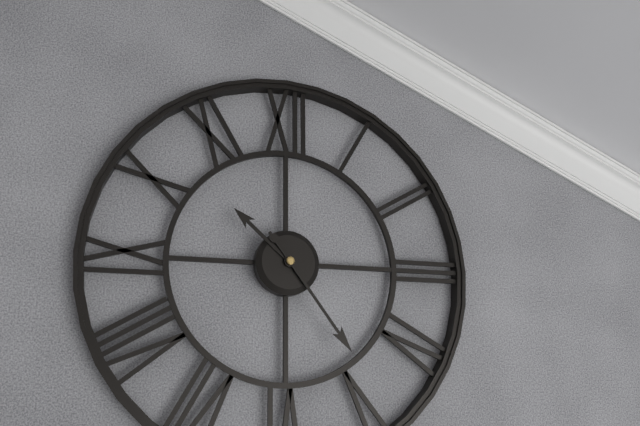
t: 10:24
